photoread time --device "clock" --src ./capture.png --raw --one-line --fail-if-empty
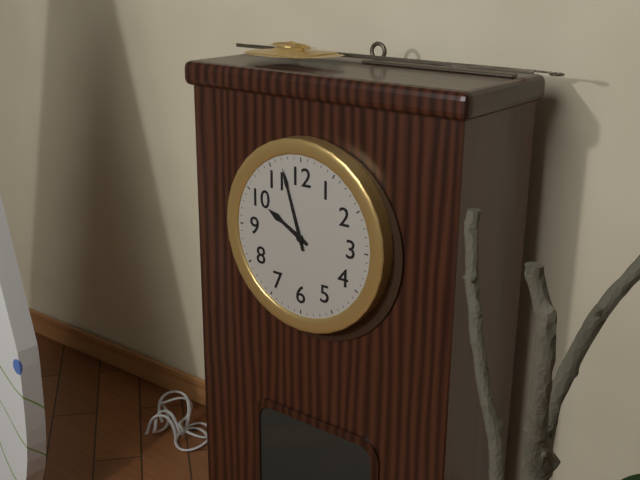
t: 9:57
